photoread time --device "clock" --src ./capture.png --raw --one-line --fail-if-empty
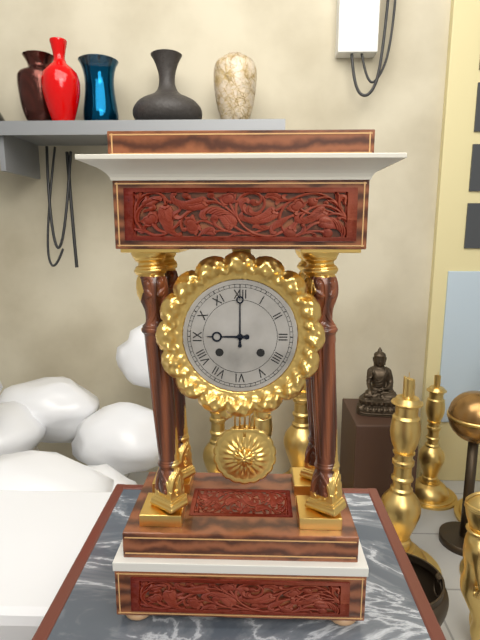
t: 9:00
